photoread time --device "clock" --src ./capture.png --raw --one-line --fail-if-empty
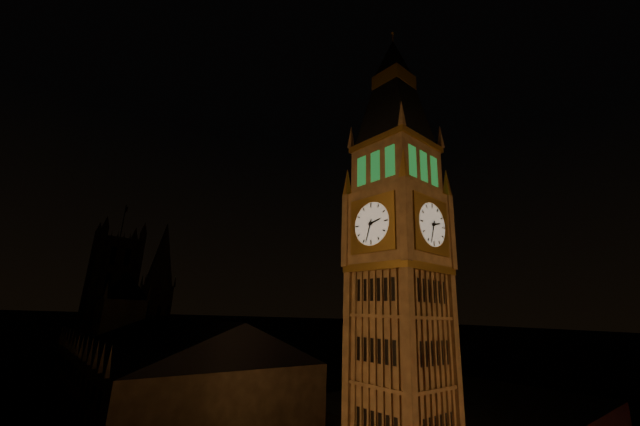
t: 2:33
